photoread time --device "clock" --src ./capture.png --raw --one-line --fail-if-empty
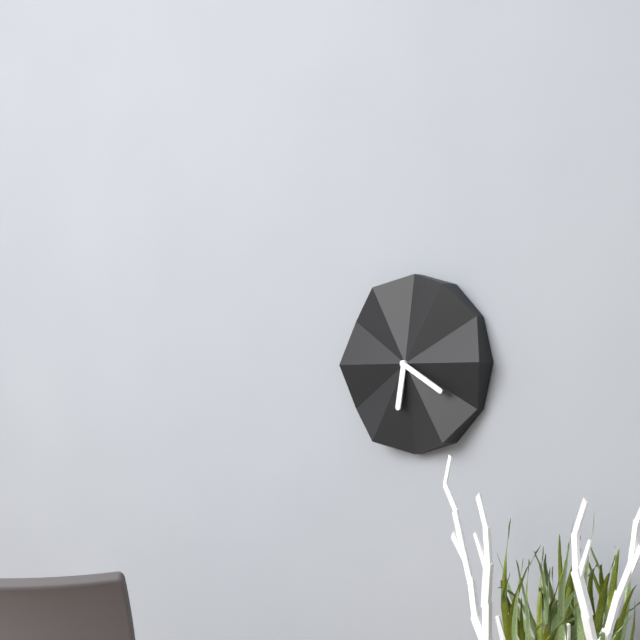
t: 6:20
